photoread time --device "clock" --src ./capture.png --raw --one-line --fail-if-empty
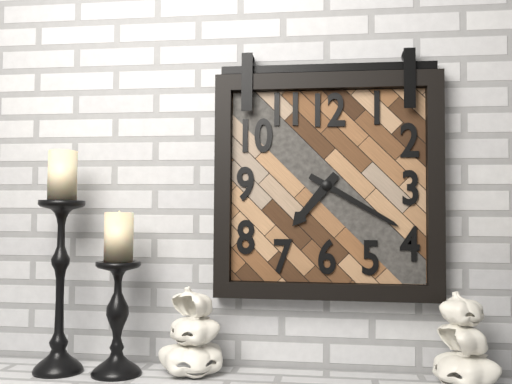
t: 7:20
